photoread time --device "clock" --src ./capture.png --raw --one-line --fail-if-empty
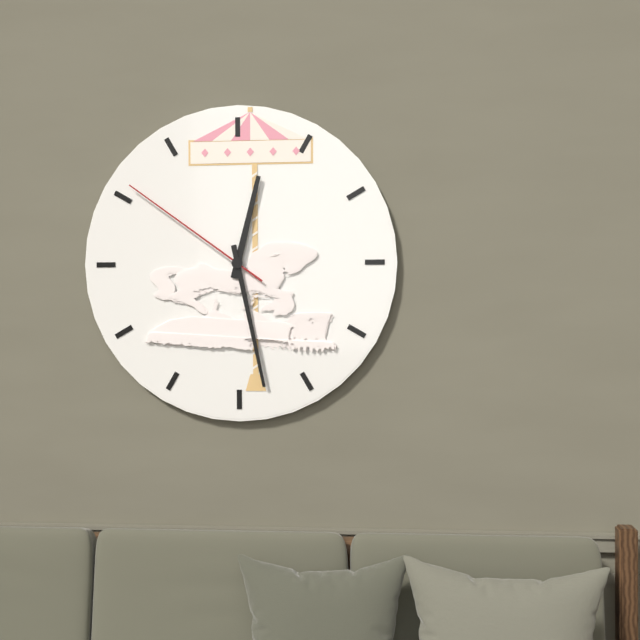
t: 12:28:51
